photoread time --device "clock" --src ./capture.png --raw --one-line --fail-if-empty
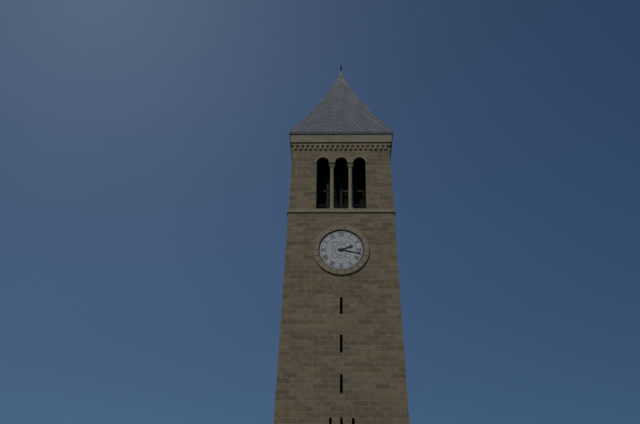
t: 2:17
